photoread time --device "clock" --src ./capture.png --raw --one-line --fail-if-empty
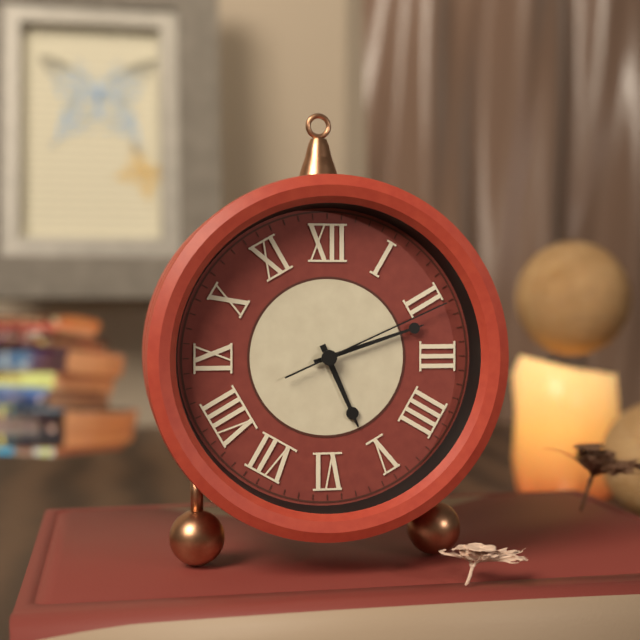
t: 5:12:11
